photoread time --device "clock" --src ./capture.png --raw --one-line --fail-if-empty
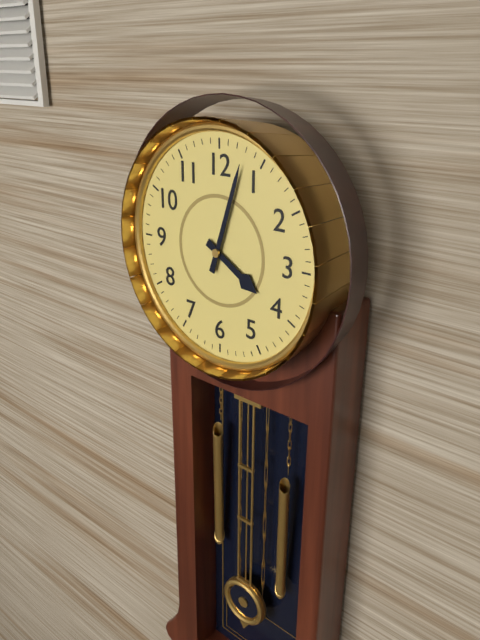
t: 4:03
